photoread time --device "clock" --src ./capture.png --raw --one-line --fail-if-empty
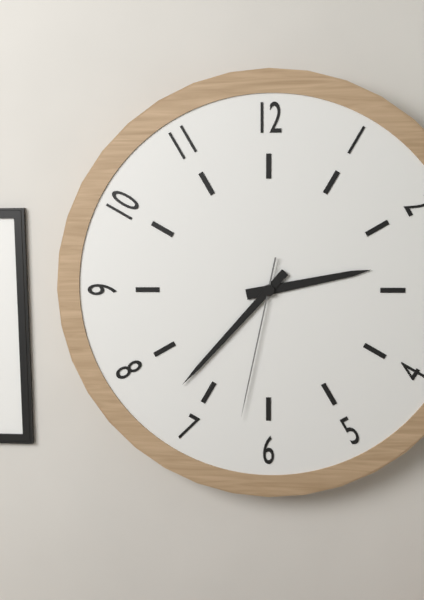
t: 2:37:32
